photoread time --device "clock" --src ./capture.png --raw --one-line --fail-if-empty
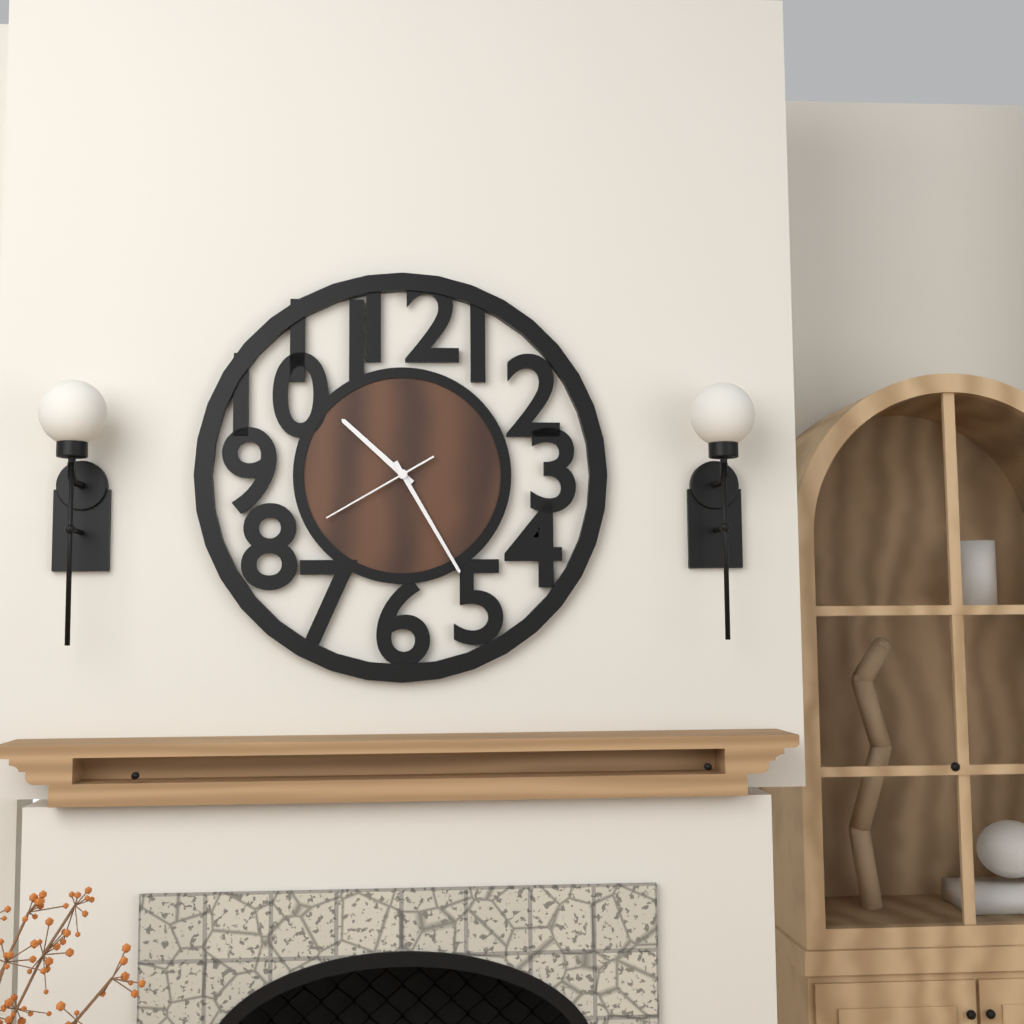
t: 10:25:40
